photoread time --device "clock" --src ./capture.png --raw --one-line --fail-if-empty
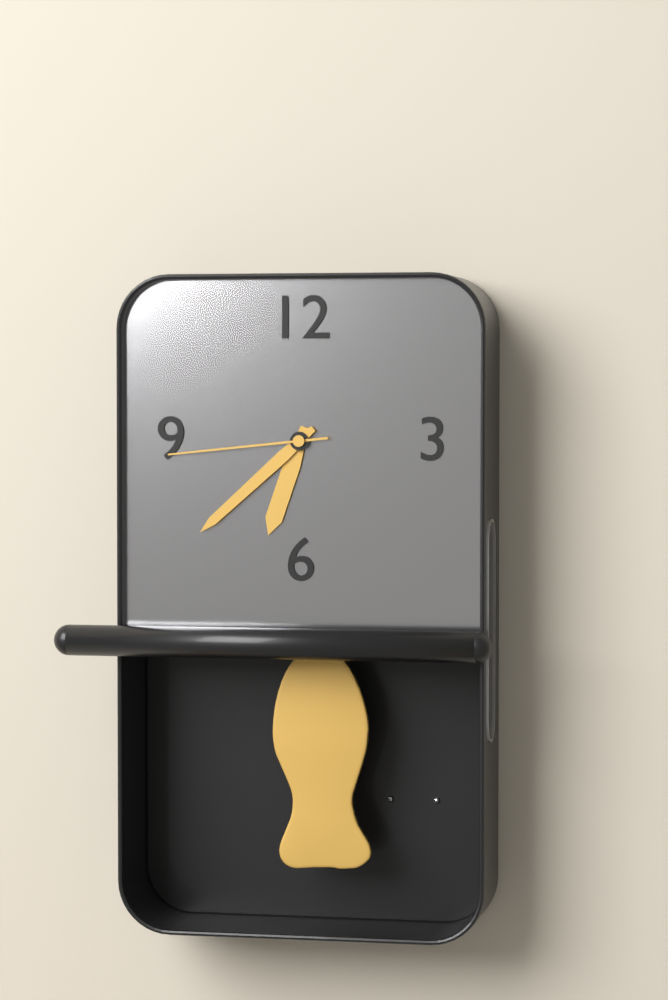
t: 6:38:44
